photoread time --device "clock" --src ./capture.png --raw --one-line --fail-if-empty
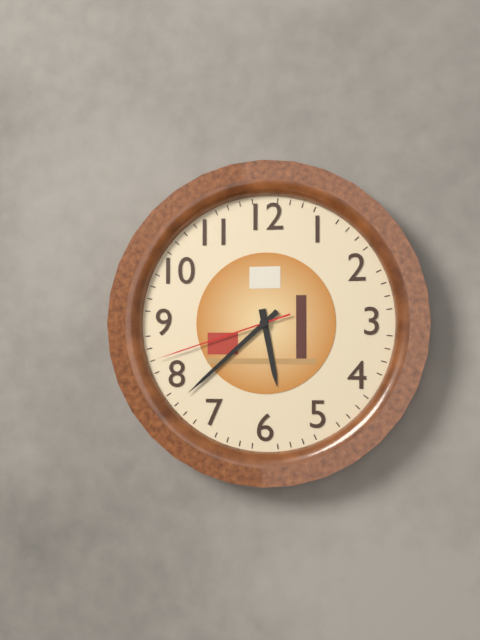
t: 5:38:42
